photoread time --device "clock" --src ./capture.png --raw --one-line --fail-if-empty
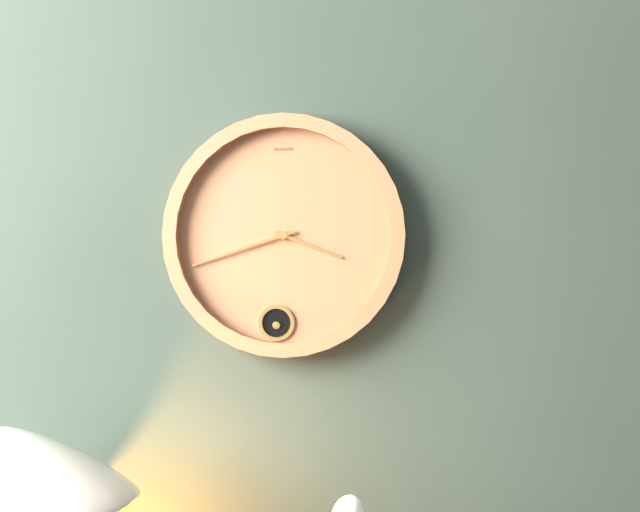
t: 3:42
